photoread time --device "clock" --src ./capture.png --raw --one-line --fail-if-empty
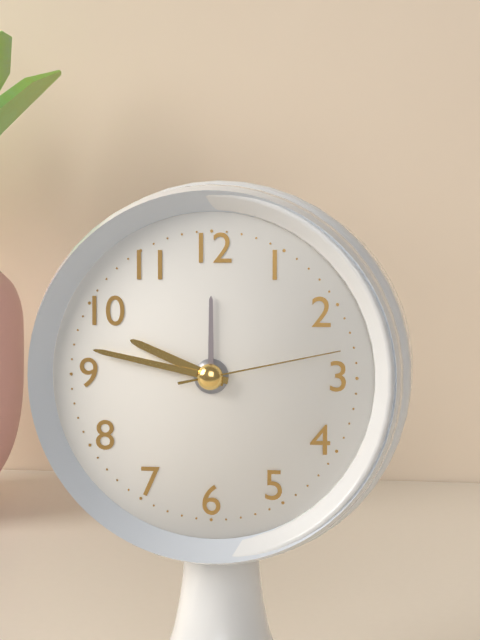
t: 9:47:13
